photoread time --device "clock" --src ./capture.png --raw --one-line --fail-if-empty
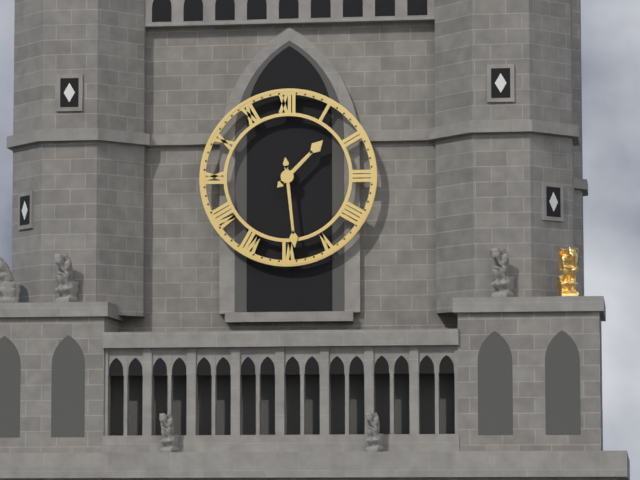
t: 1:29
